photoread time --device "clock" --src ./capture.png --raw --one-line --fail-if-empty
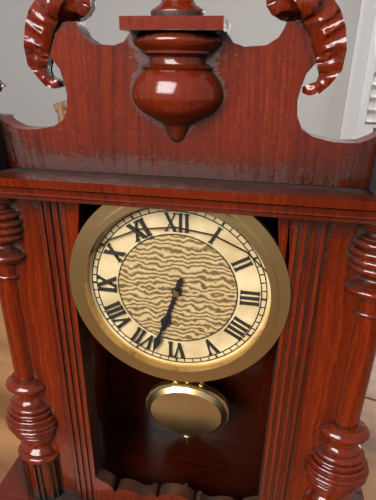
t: 6:33
